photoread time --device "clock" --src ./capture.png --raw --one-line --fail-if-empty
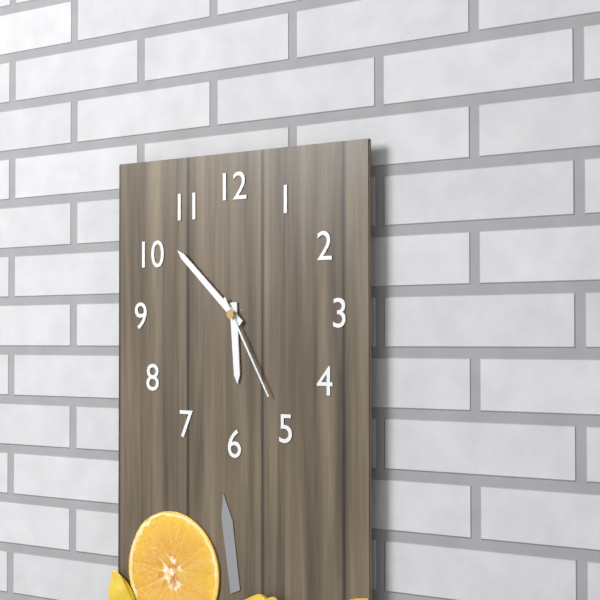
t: 5:52:25
